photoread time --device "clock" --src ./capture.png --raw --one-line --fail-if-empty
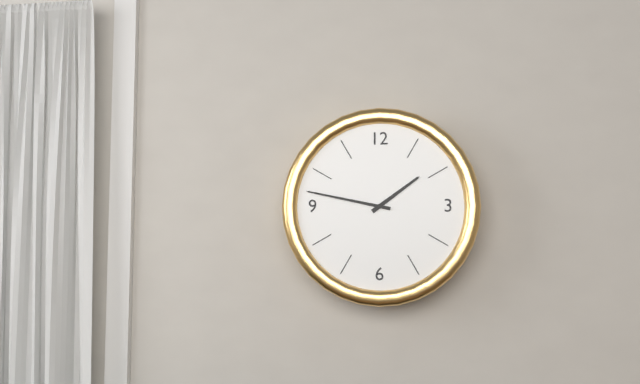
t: 1:47
